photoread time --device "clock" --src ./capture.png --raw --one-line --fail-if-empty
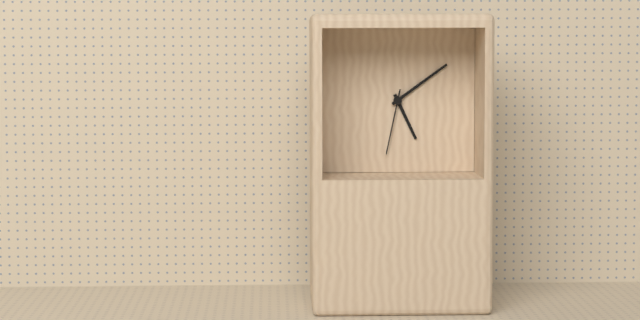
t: 5:09:32
